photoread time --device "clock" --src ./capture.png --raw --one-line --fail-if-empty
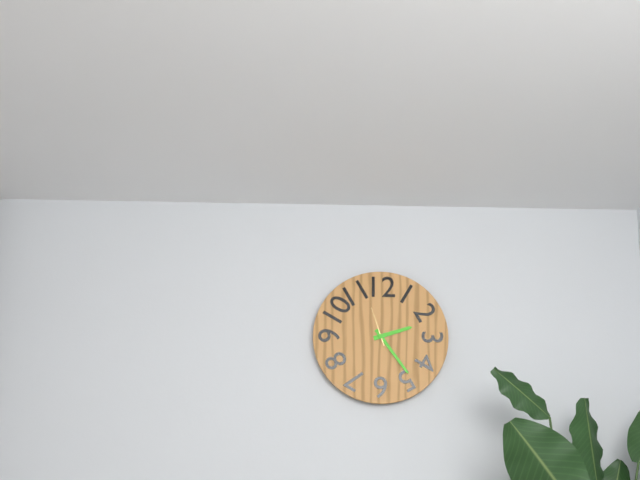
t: 2:24
